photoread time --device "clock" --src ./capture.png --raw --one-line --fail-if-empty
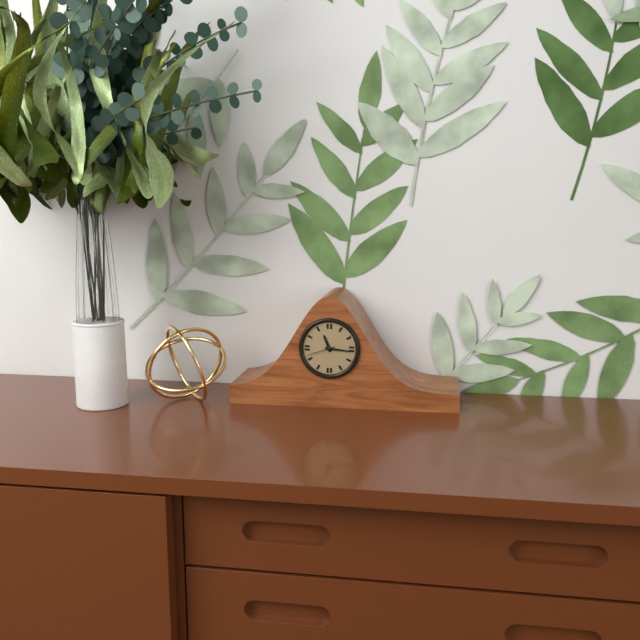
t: 11:16
